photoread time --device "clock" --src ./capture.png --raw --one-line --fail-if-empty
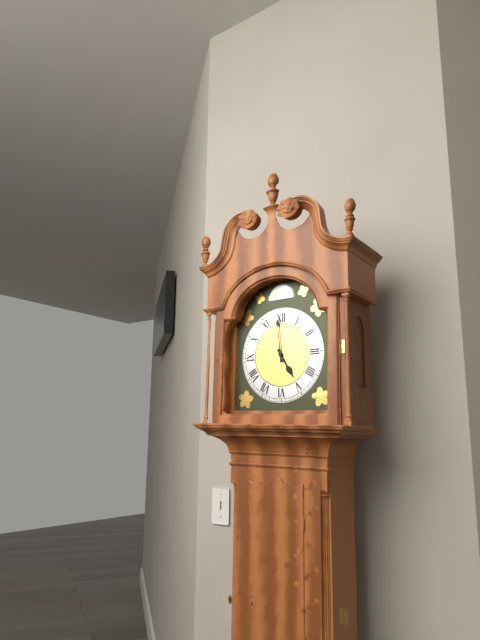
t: 4:59
